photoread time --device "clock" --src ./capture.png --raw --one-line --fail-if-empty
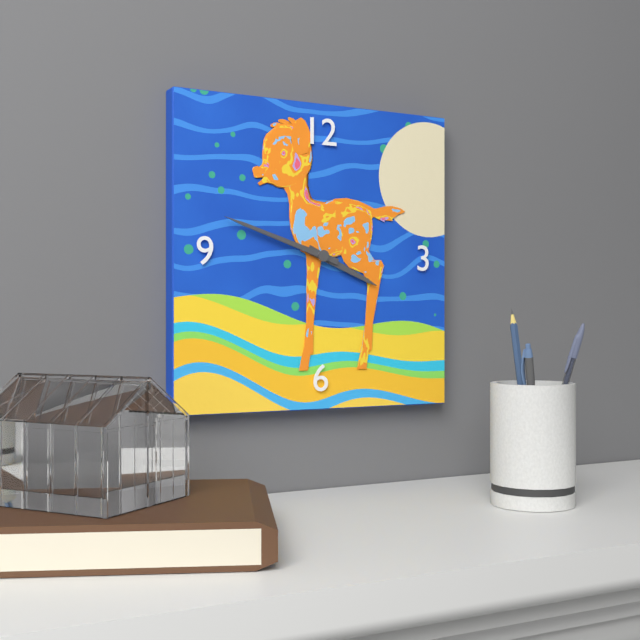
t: 3:48
